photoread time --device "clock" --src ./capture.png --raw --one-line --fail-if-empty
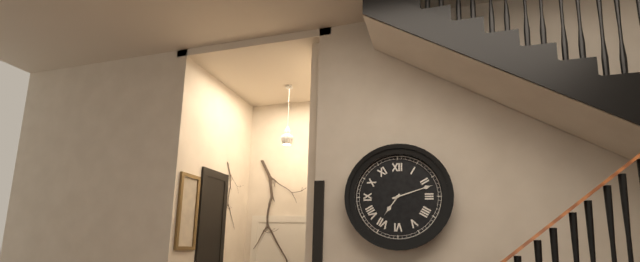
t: 7:12
